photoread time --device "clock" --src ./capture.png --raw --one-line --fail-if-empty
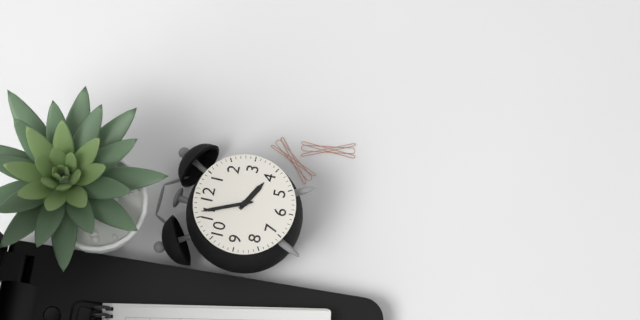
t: 3:56
